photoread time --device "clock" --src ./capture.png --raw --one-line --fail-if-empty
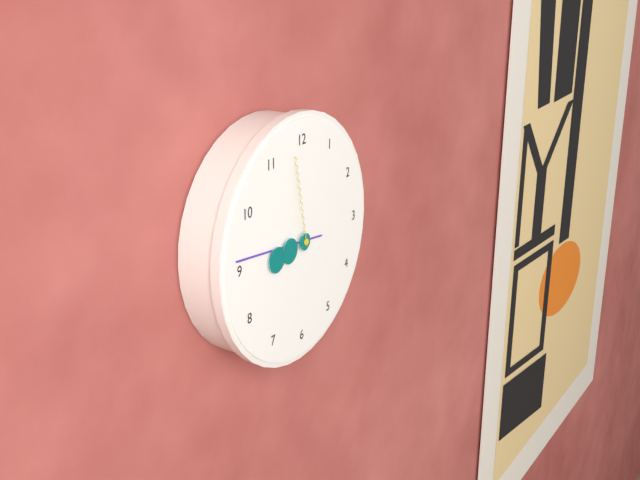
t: 8:46:58
